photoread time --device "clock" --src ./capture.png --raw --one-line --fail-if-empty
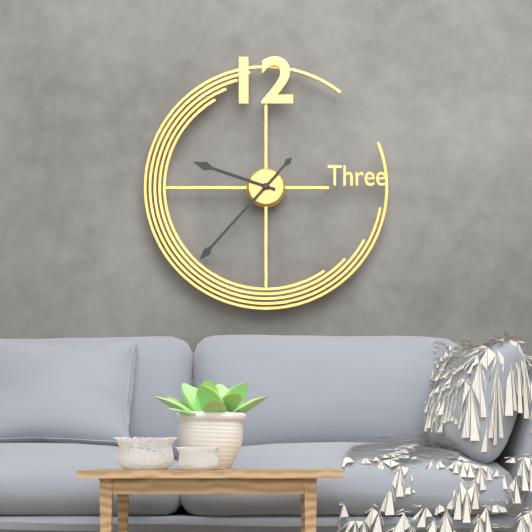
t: 9:37
